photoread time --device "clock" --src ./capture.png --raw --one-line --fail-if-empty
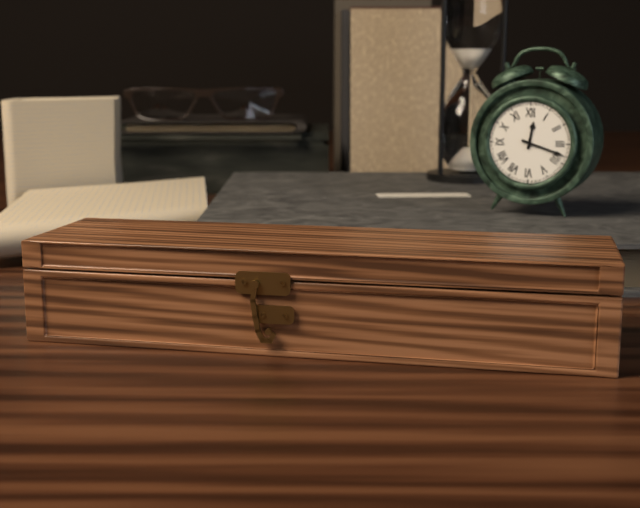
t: 12:18
